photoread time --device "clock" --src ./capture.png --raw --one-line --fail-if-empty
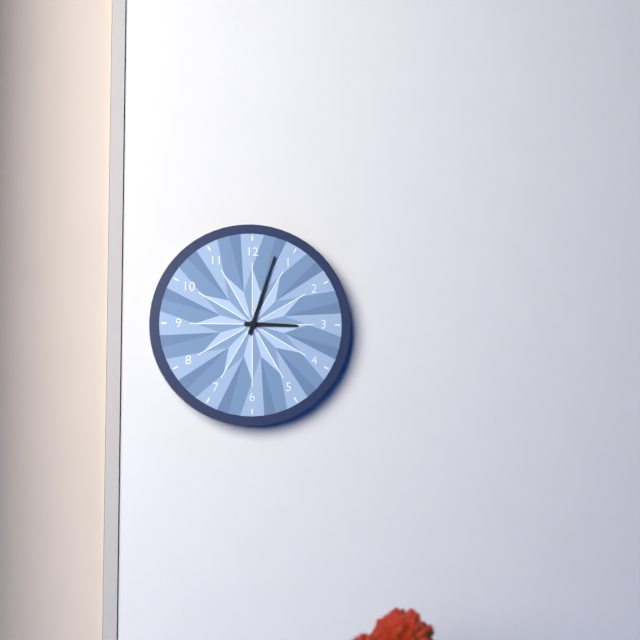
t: 3:03
